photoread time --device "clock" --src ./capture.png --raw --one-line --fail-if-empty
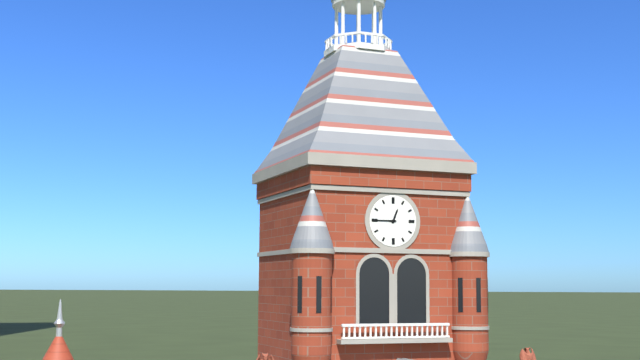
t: 12:45
